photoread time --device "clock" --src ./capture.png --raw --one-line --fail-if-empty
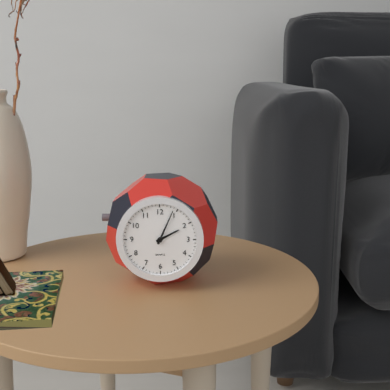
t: 2:04
